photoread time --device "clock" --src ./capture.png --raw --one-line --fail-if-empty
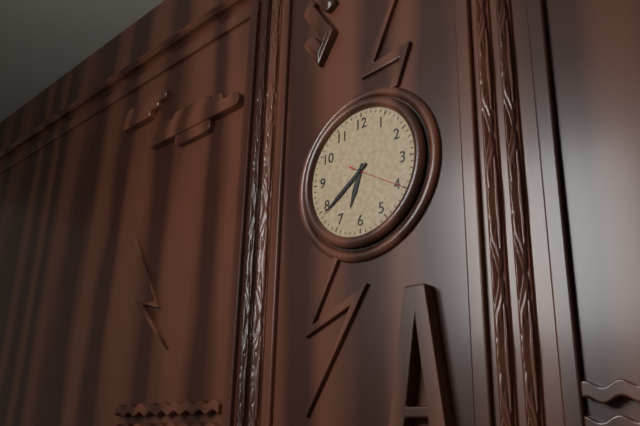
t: 6:39
